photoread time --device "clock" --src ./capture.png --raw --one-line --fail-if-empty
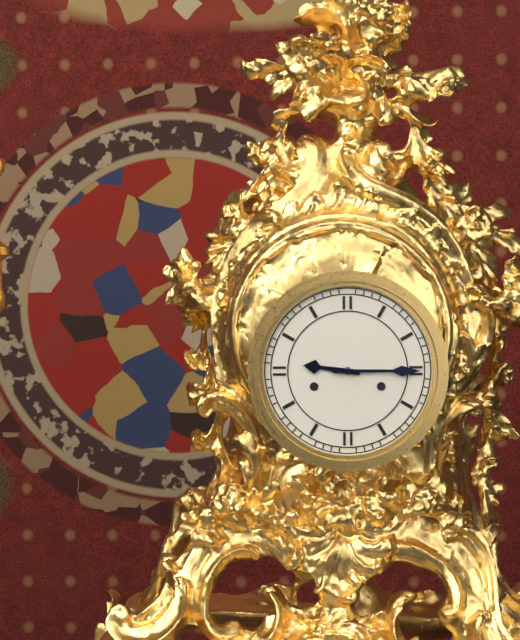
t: 9:15
